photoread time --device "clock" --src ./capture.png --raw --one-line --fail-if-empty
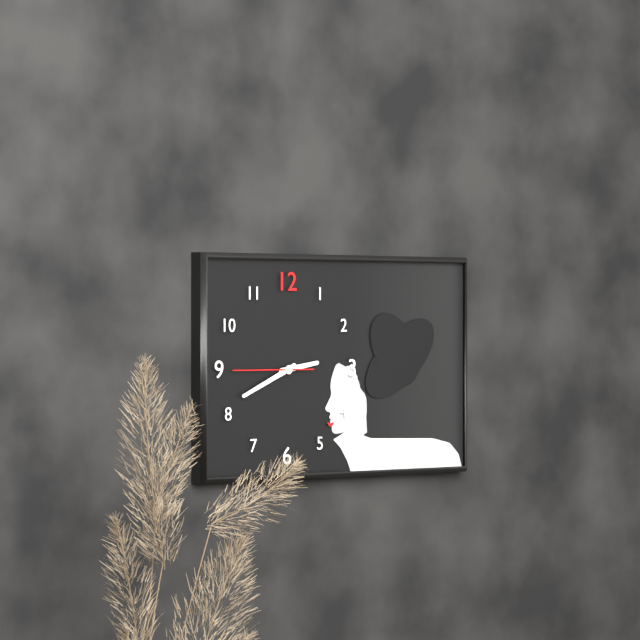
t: 2:41:45
